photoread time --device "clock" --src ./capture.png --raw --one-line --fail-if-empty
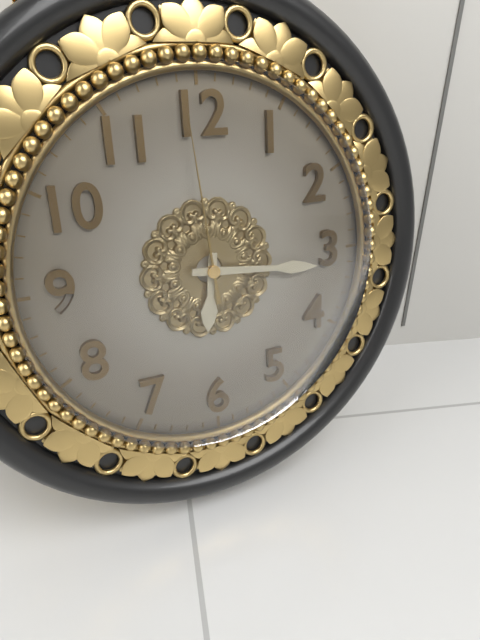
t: 6:16:59
